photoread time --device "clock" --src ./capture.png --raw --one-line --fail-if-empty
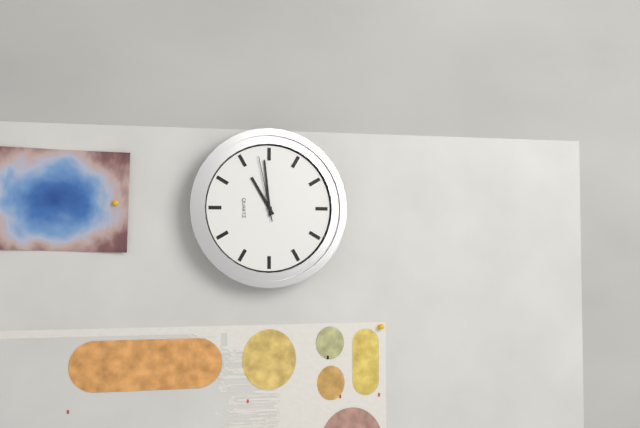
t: 10:59:58
